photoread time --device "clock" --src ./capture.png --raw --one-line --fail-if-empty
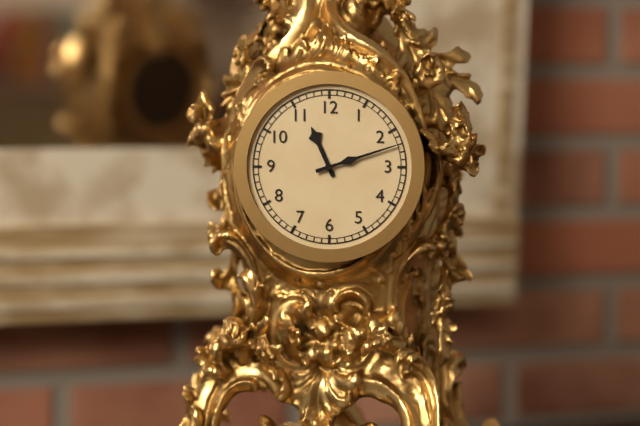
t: 11:12
